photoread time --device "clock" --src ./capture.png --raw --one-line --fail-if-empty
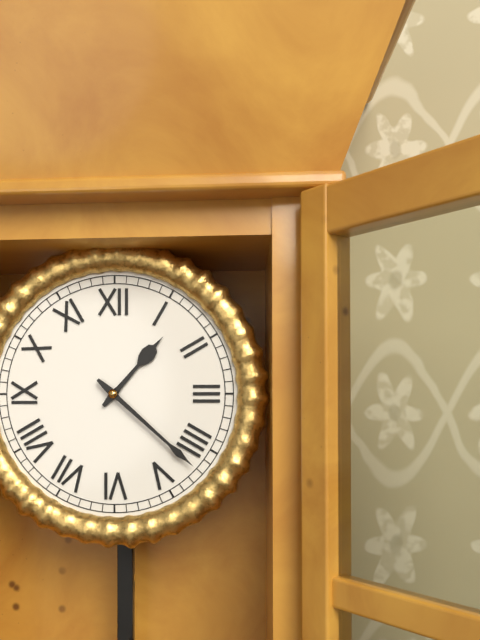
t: 1:22
